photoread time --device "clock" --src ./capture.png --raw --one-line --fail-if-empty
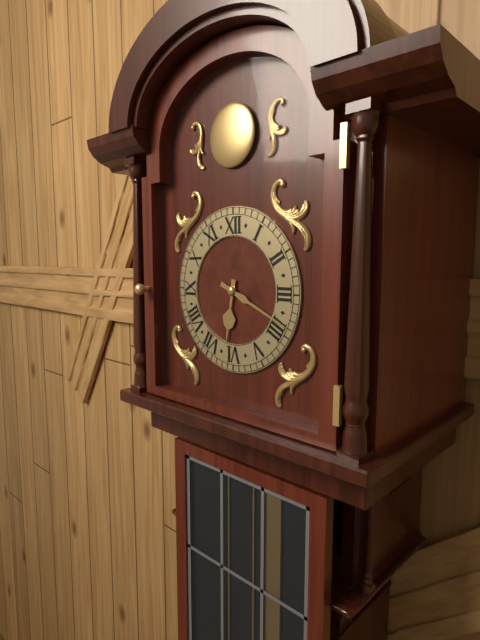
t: 6:19
